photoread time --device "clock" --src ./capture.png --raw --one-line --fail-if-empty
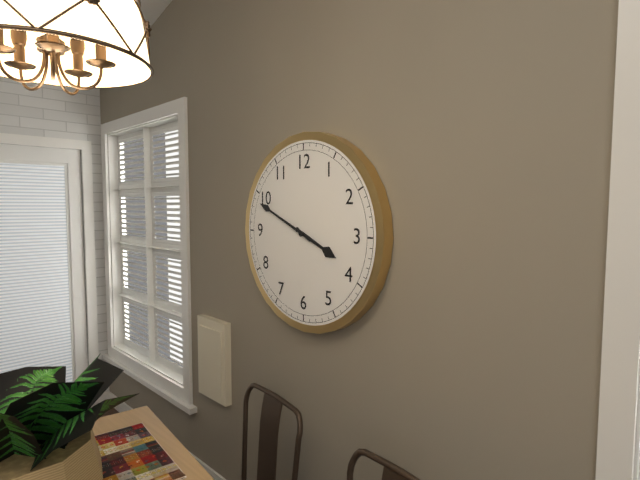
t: 3:49
